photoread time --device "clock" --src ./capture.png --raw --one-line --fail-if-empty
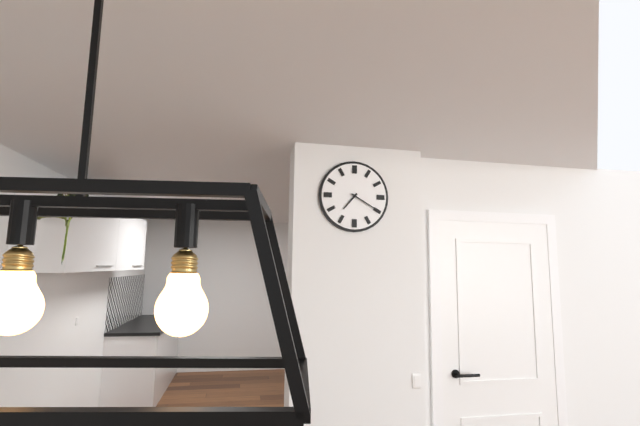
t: 7:20
